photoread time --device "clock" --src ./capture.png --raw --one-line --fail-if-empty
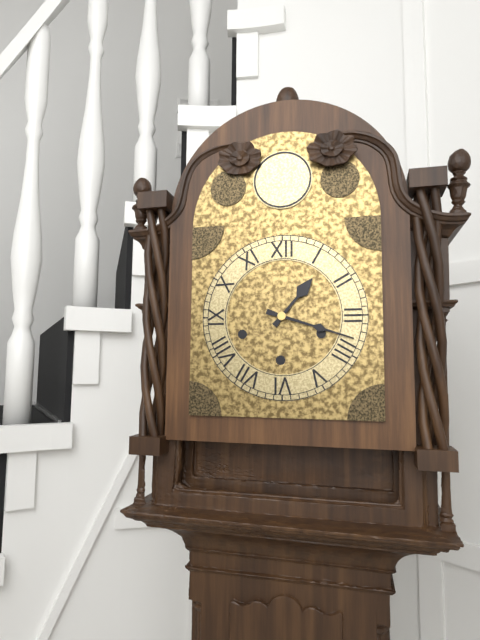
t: 1:18
